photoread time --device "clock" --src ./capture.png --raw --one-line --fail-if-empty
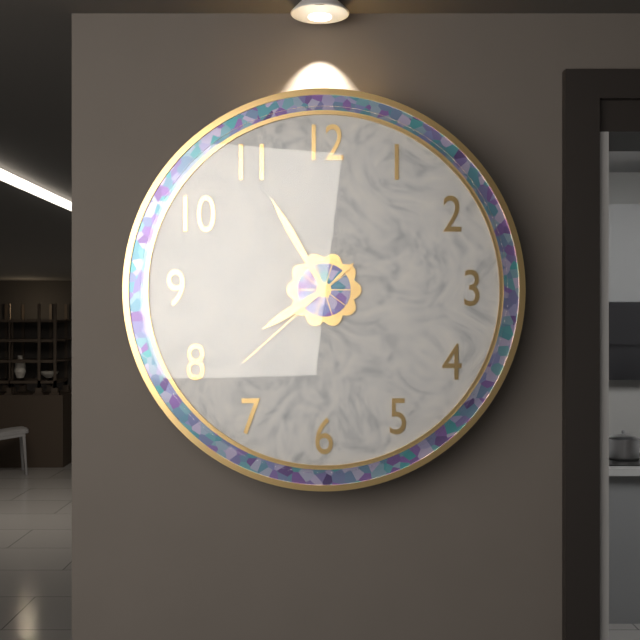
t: 7:55:38
